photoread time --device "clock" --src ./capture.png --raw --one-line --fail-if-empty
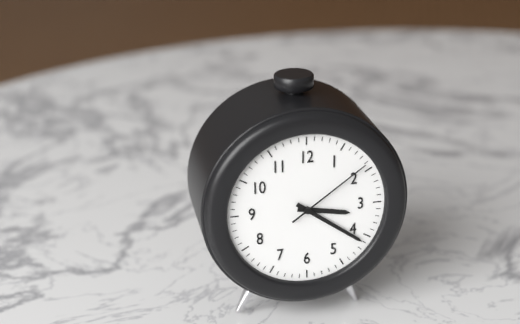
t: 3:21:09
